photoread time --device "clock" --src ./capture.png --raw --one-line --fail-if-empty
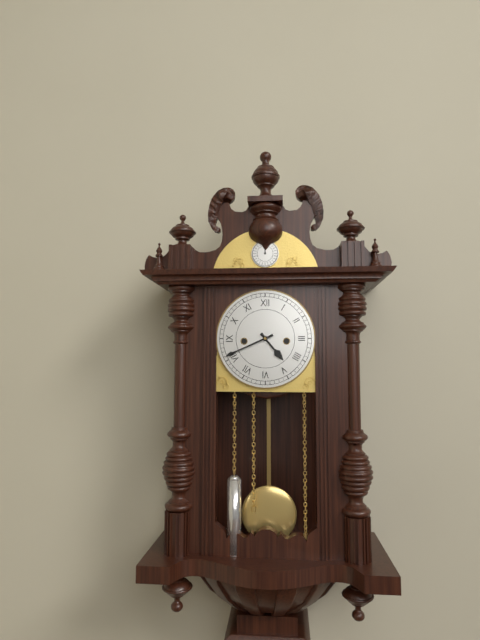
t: 4:41
